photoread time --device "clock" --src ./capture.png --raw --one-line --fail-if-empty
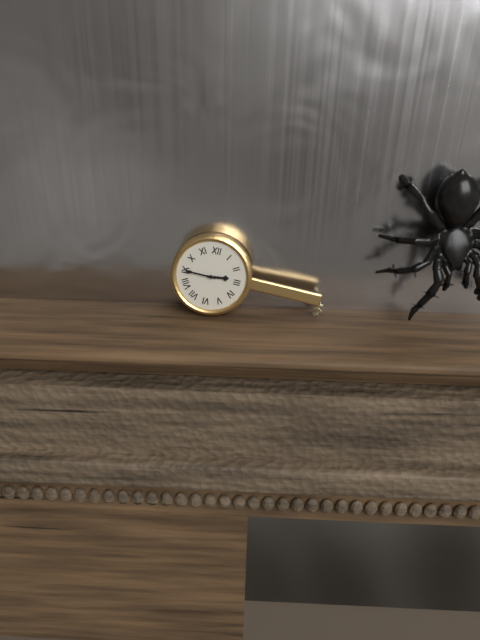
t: 2:45
